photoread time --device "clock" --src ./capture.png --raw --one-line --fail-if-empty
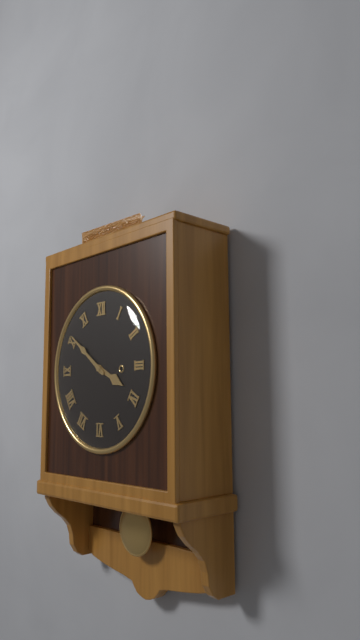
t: 3:51
